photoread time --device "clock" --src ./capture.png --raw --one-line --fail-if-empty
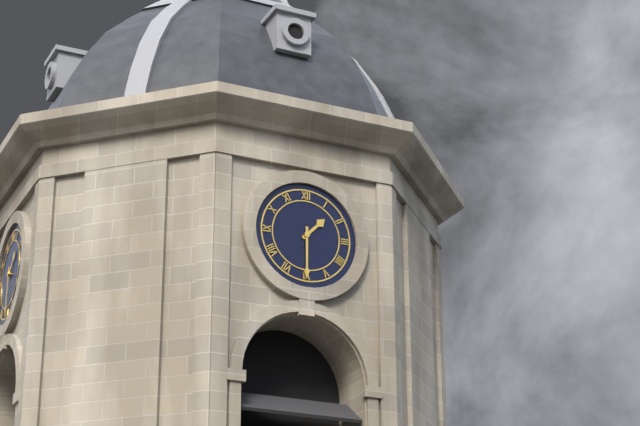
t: 1:30
